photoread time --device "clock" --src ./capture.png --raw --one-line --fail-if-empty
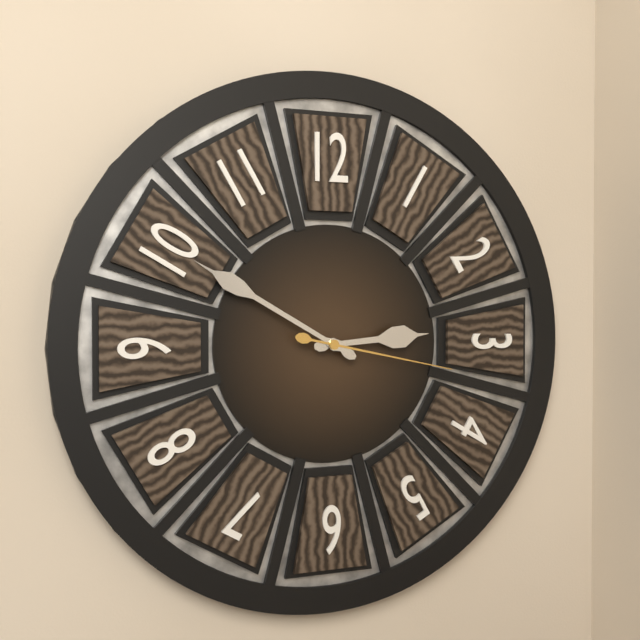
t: 2:50:17
